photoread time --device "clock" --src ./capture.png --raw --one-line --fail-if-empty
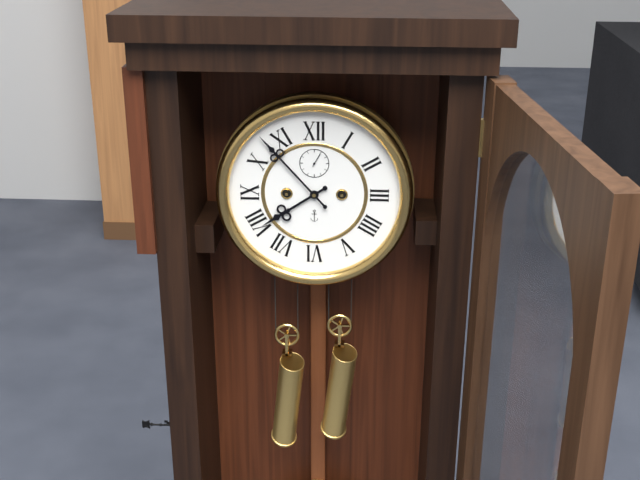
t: 7:53
